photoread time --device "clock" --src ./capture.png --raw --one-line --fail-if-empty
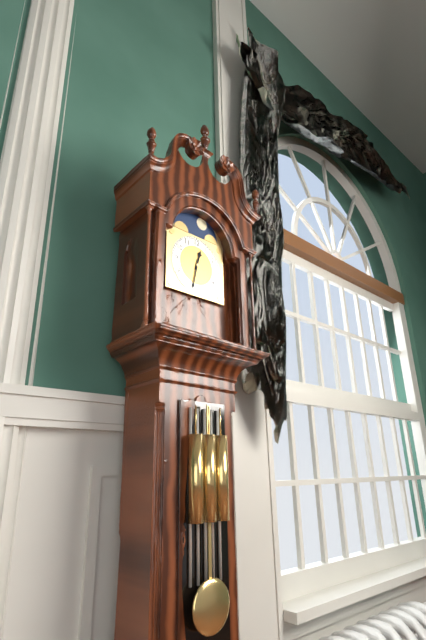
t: 12:32
